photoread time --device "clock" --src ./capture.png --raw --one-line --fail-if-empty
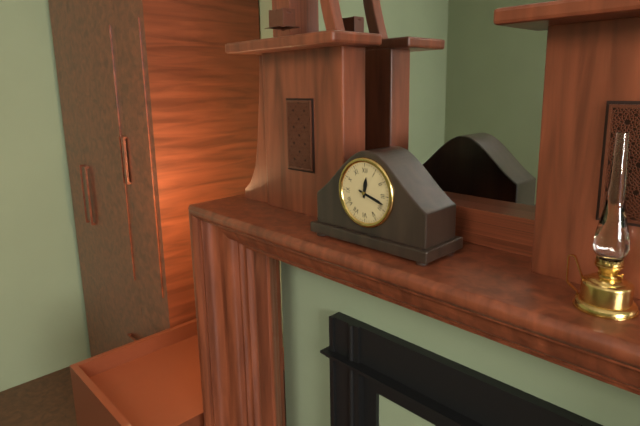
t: 12:18
